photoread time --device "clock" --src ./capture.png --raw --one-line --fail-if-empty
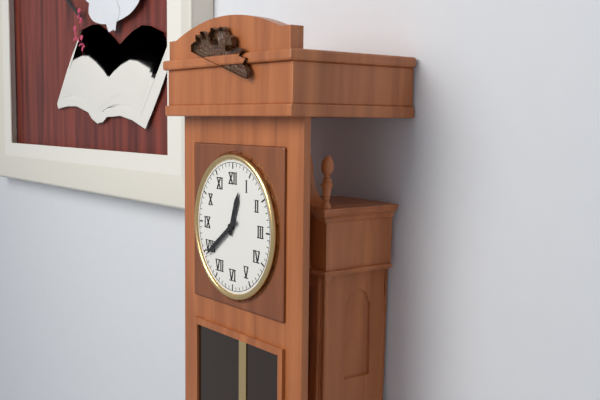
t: 12:39
